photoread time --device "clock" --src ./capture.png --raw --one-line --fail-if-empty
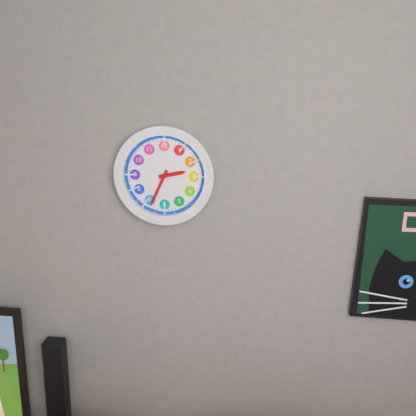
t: 2:34
